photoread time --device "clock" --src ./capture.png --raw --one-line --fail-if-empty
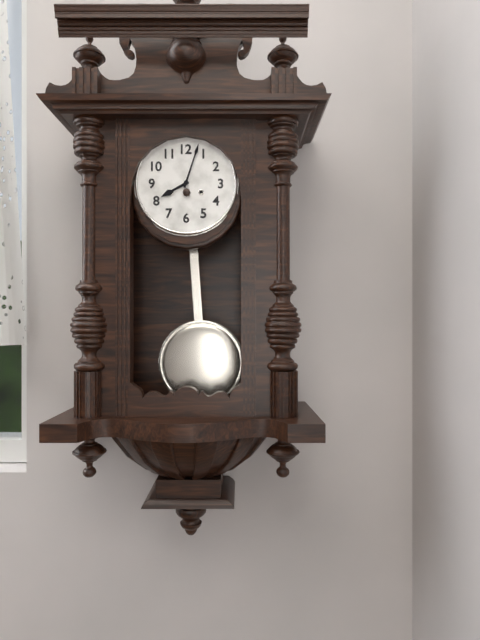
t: 8:03
